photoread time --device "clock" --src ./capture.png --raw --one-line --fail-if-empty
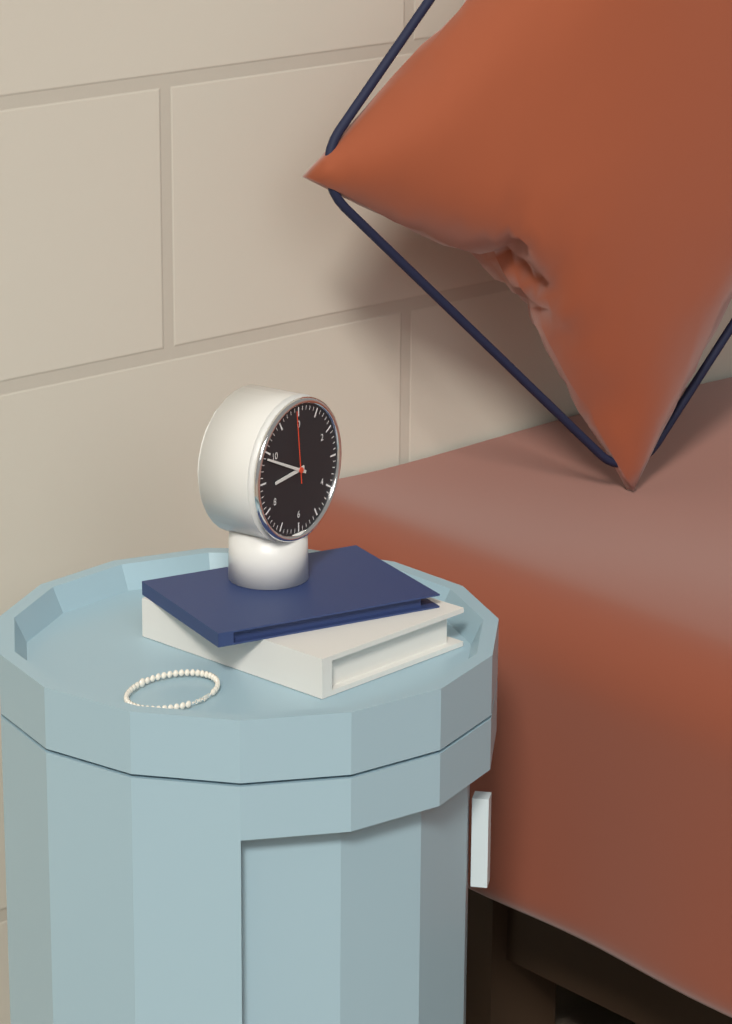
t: 8:49:59
